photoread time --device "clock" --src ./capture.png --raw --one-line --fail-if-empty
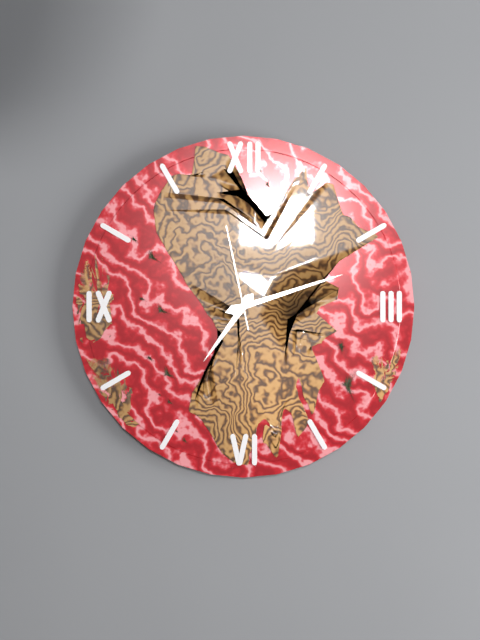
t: 7:12:58
